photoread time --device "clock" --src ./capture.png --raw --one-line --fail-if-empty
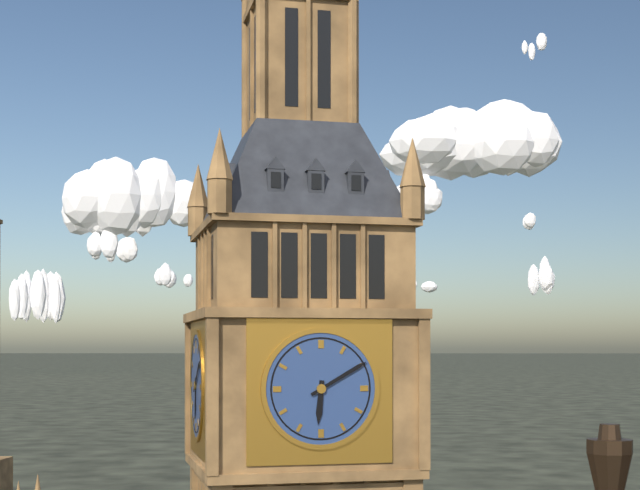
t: 6:10
